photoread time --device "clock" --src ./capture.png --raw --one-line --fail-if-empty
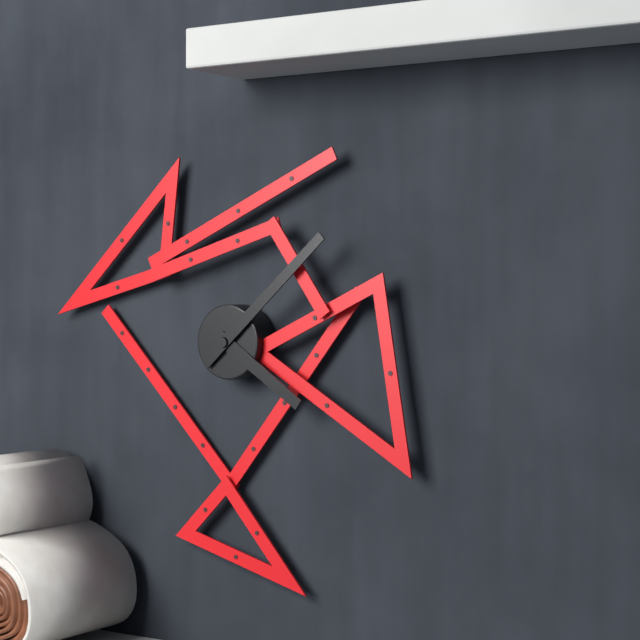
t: 4:08
